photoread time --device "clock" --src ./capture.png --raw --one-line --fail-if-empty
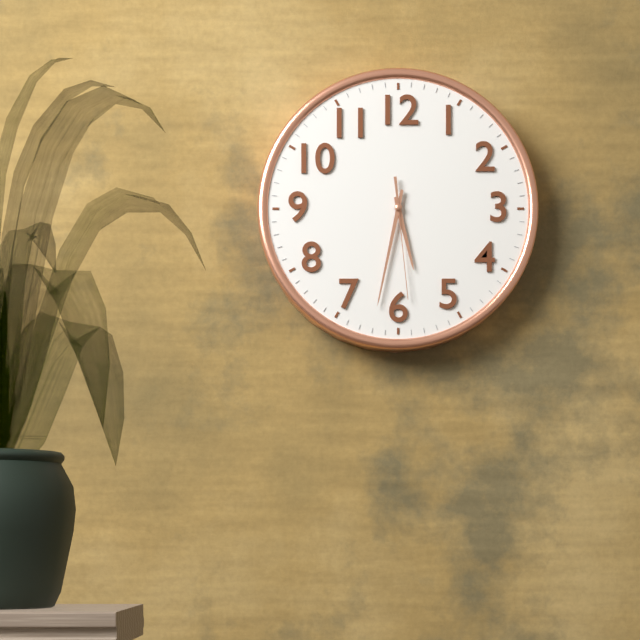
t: 5:32:29
